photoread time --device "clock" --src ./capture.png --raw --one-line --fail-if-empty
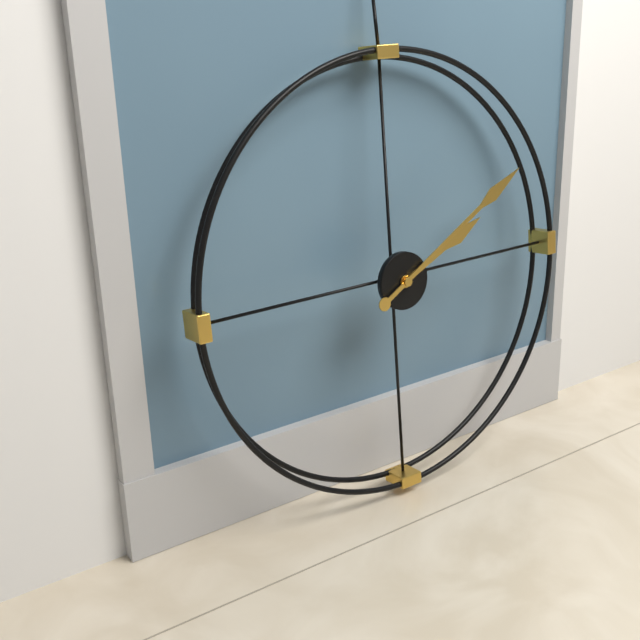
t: 2:10
